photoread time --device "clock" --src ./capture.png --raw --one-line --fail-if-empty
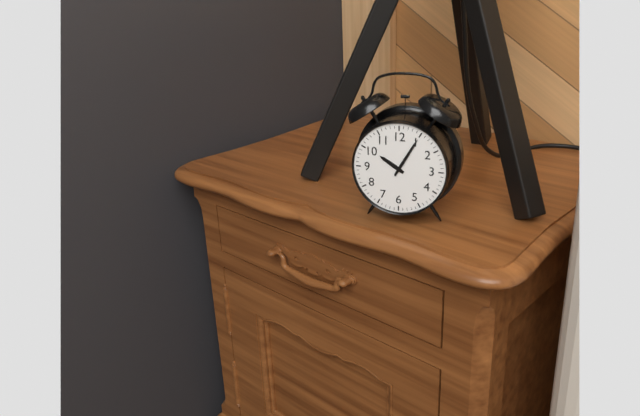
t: 10:05
